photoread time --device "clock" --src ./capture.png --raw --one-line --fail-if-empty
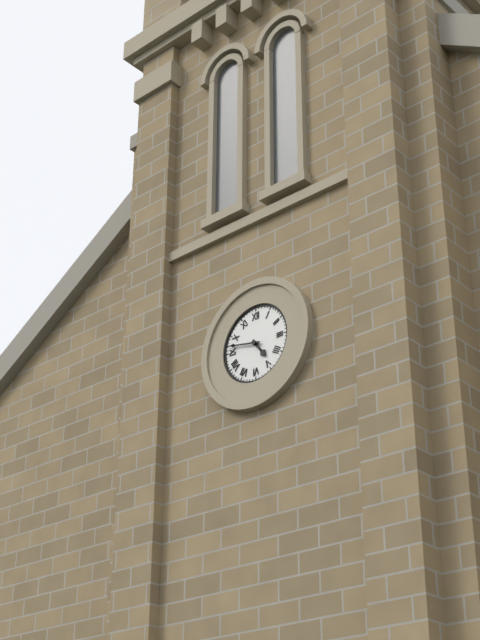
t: 4:47
